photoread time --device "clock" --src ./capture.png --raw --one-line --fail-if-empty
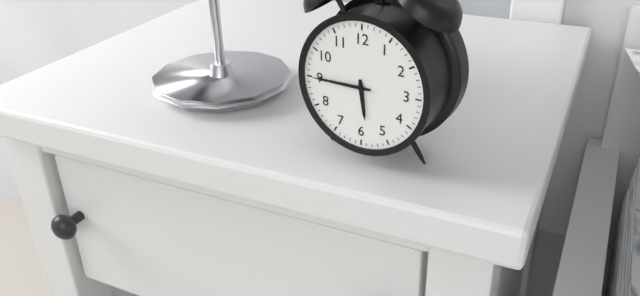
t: 5:45
